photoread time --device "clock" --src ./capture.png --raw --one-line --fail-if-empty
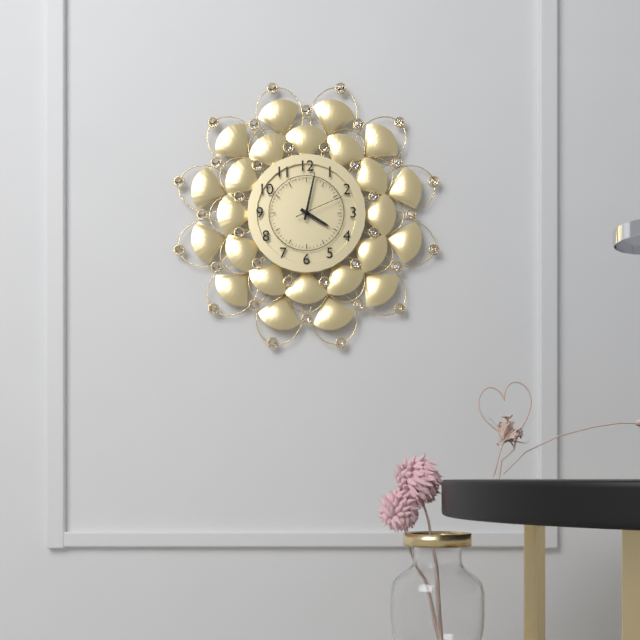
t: 4:02:11
